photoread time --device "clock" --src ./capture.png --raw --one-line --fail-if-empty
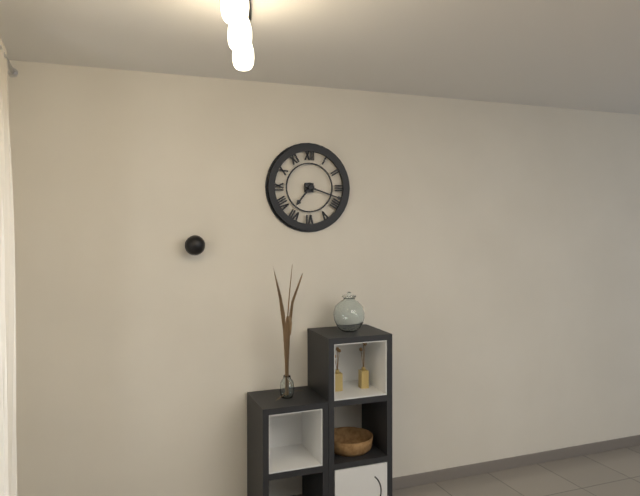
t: 7:18
